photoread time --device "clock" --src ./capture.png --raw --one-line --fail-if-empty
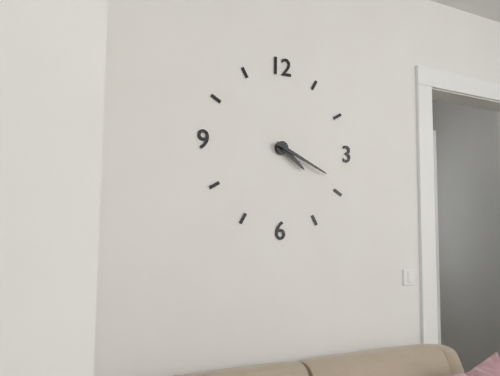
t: 4:19
